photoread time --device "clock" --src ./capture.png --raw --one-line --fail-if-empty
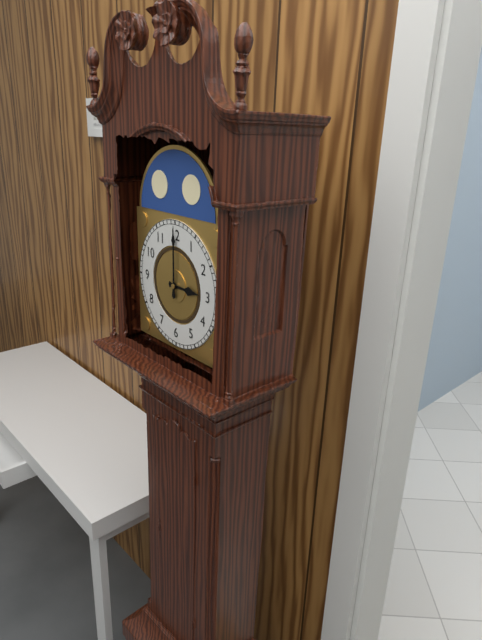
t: 3:00
